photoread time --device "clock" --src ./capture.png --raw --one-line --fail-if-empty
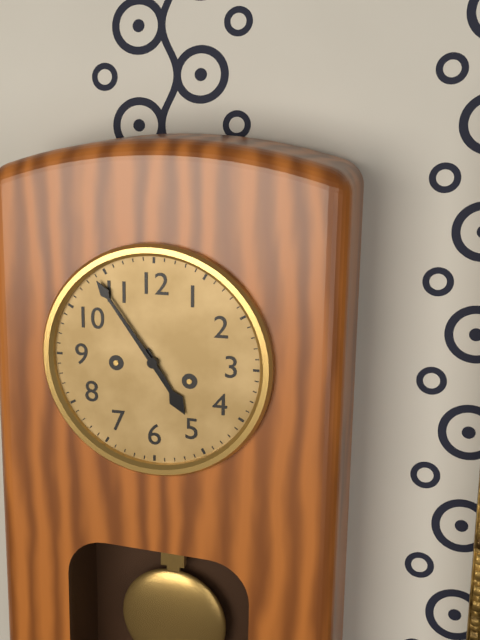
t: 4:54
